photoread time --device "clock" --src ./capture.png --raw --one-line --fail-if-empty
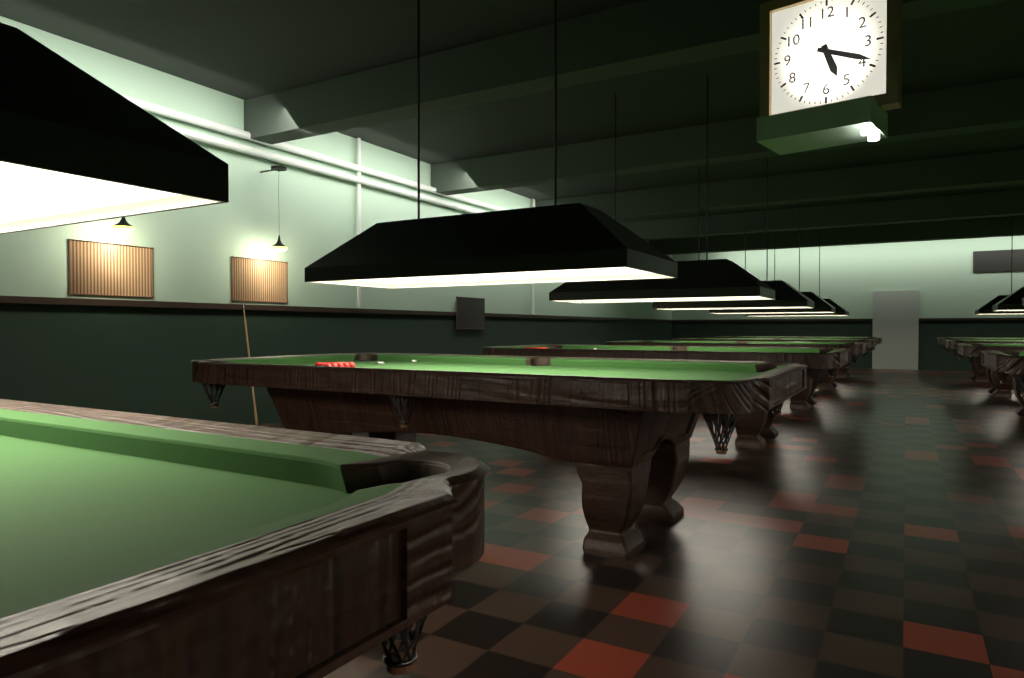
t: 5:19
